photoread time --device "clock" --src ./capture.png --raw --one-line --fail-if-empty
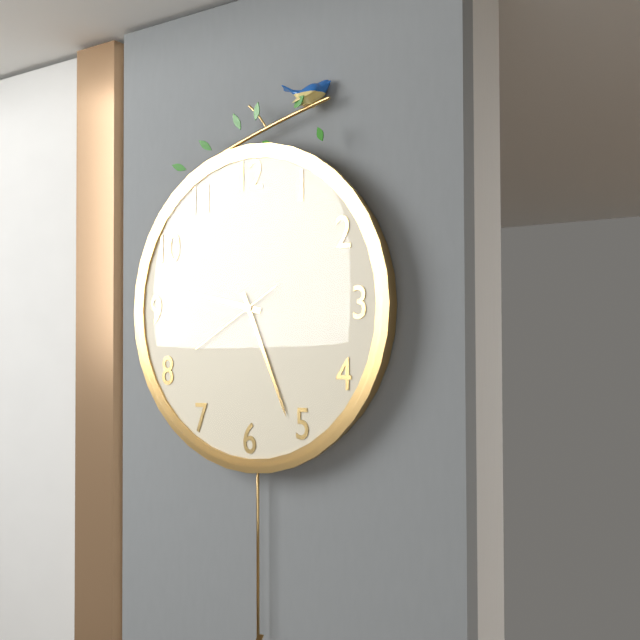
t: 9:26:40
